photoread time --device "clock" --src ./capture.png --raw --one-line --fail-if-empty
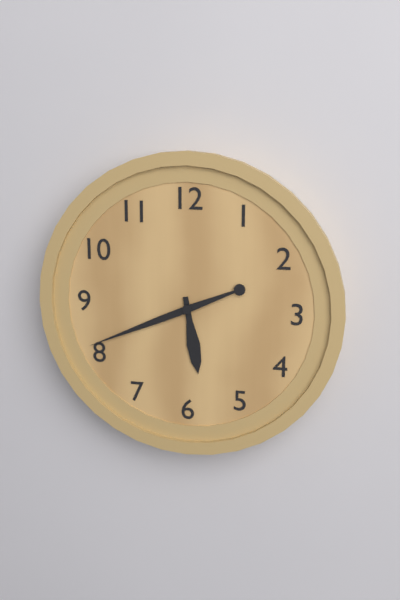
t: 5:41
